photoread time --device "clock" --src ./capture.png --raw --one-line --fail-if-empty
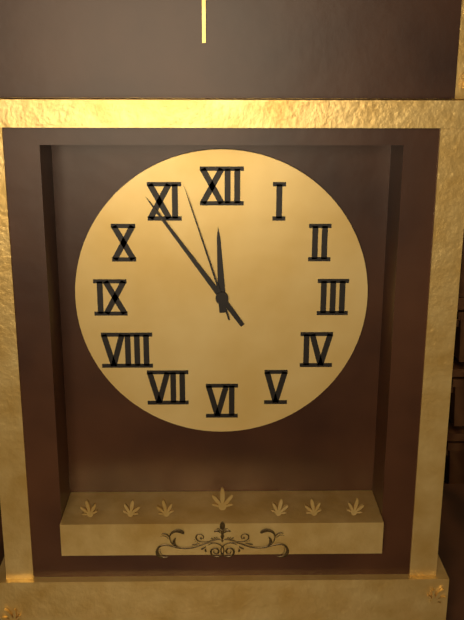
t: 11:54:57
